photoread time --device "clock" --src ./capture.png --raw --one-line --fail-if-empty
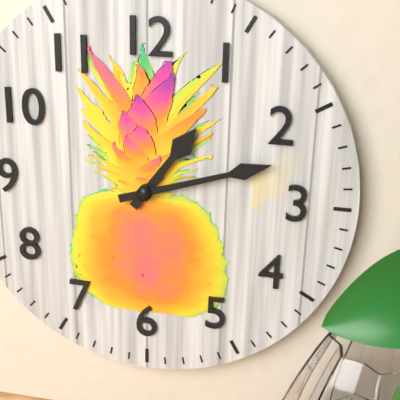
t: 1:12
